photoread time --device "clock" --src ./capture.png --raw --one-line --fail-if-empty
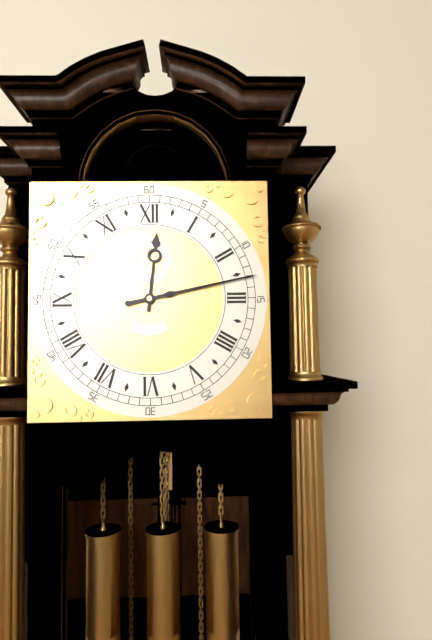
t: 12:13
